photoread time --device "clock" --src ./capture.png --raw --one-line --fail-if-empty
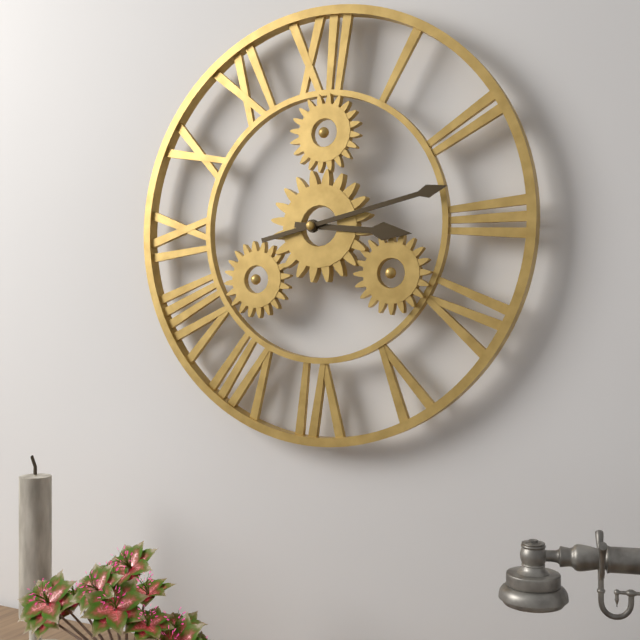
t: 3:13
